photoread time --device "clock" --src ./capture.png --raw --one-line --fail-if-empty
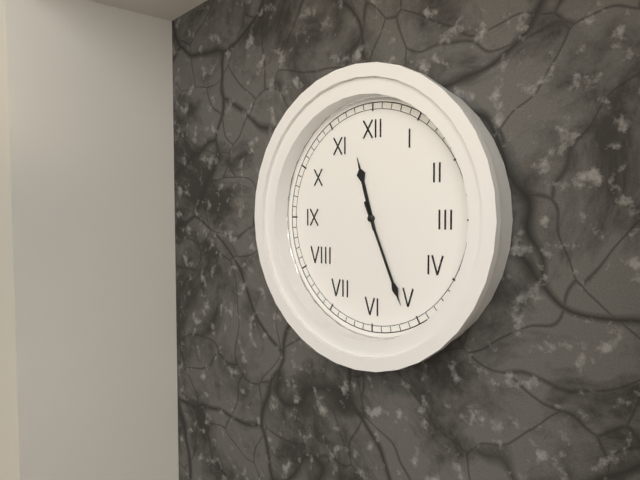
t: 11:26
